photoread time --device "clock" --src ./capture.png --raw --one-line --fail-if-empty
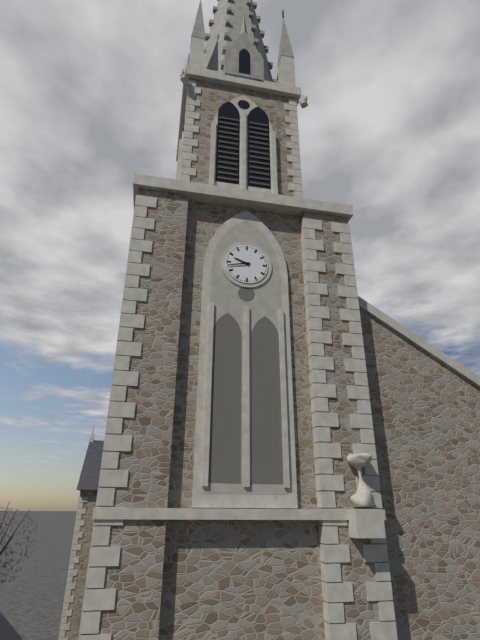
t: 9:43
